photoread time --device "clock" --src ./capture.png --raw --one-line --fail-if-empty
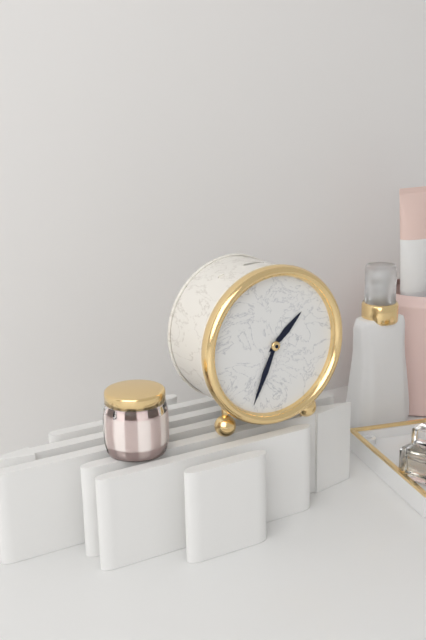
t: 1:34
